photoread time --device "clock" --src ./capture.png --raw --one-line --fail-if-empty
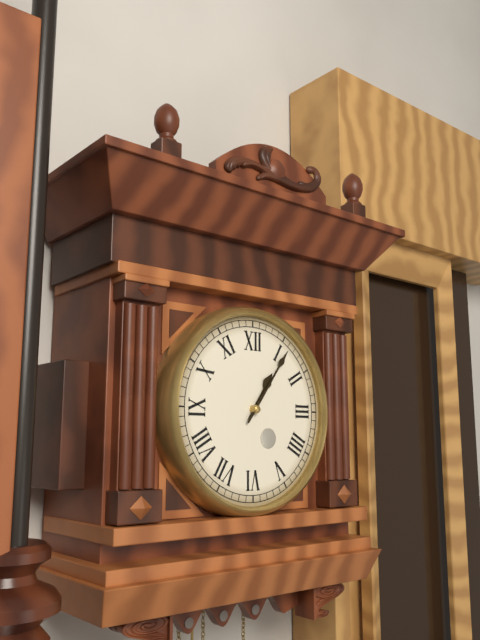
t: 1:06
